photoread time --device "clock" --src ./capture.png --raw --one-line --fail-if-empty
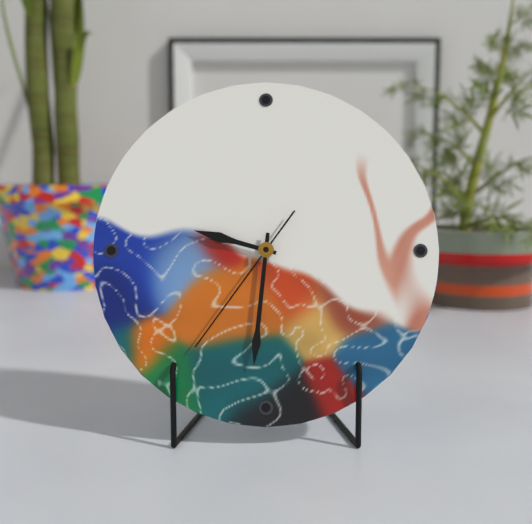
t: 9:31:36
